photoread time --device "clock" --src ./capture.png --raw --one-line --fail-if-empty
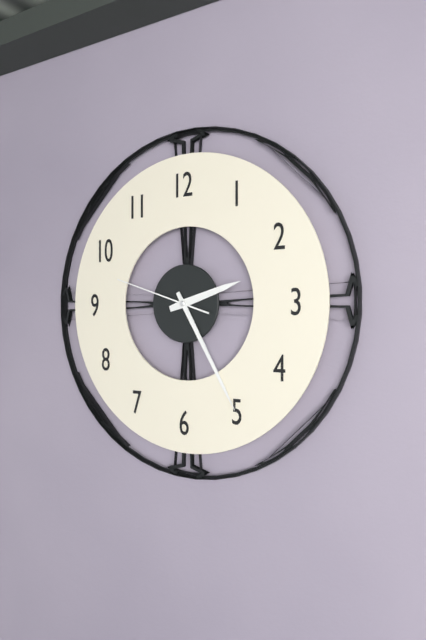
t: 2:25:48
